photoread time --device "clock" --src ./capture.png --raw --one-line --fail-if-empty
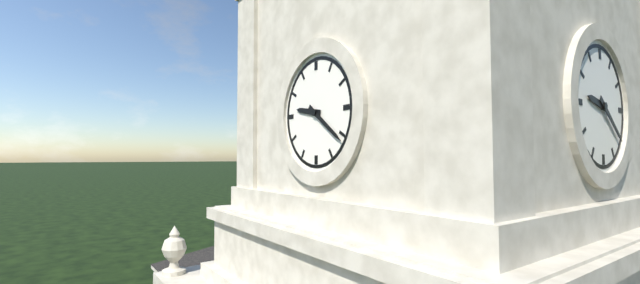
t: 9:21
